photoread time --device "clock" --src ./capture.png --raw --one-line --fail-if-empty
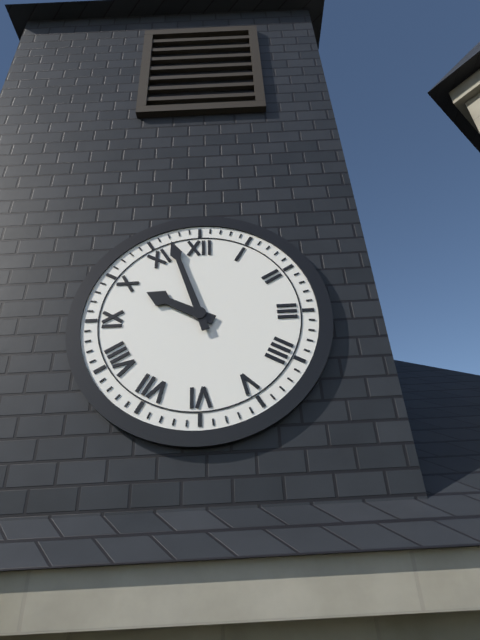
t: 9:57
